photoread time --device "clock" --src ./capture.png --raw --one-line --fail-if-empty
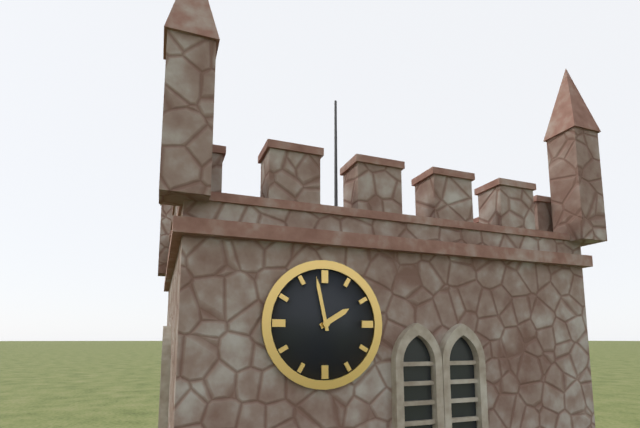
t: 1:58
